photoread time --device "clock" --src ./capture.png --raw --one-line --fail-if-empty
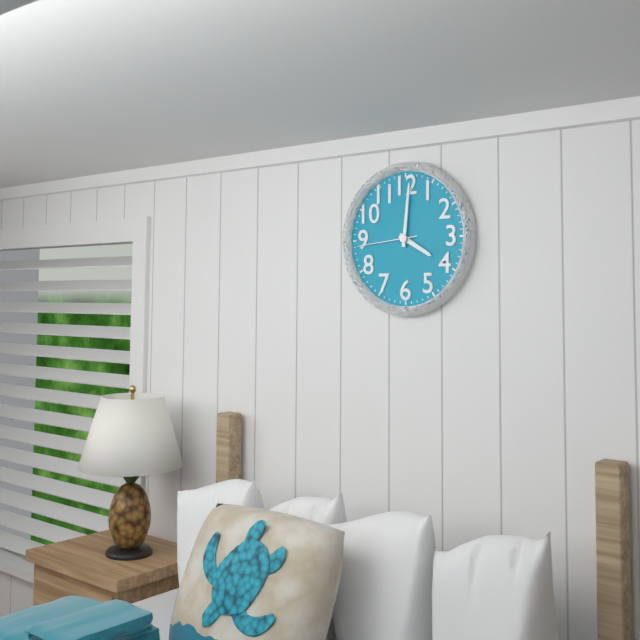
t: 4:01:44
